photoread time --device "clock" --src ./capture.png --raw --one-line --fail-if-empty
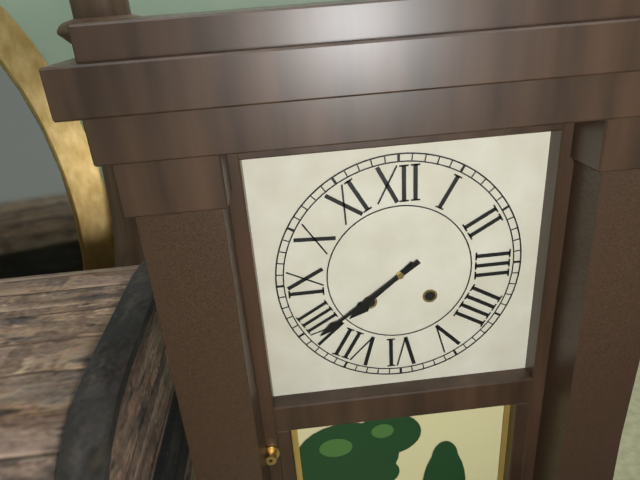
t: 7:39
